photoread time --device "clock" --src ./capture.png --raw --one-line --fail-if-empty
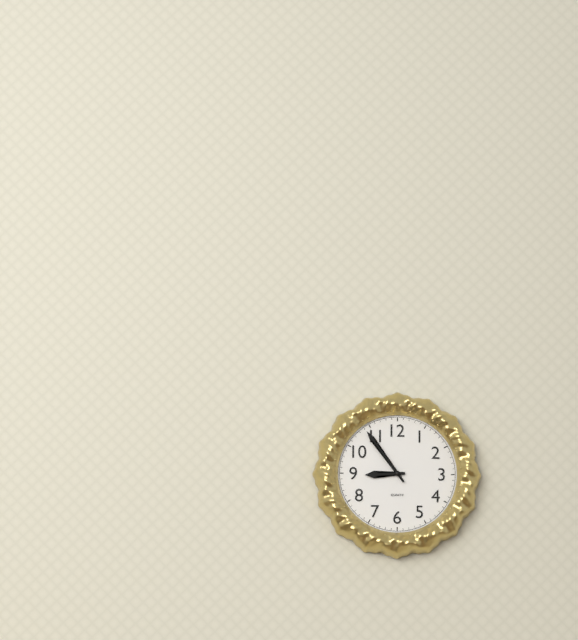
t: 8:54
